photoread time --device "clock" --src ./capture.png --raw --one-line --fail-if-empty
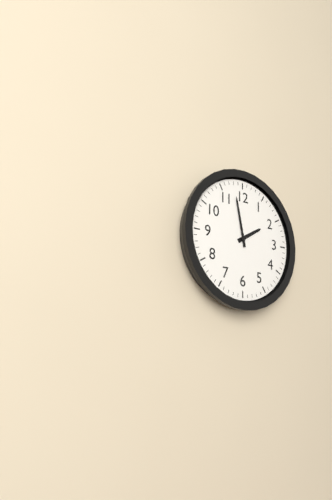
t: 1:58
